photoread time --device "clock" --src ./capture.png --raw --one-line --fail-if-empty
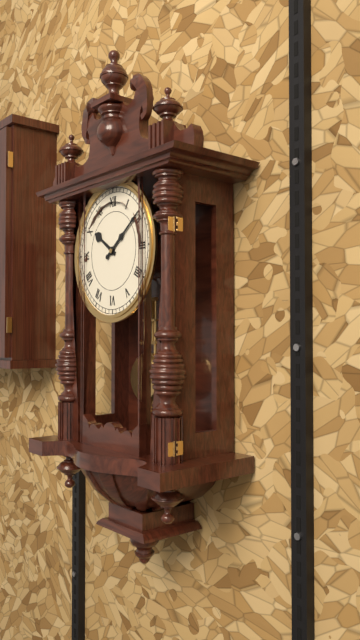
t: 10:09
